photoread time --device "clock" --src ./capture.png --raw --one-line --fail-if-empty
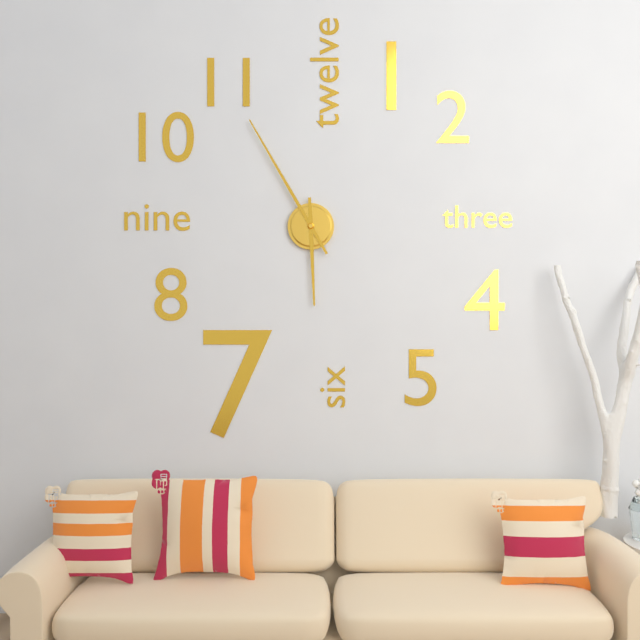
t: 5:55
